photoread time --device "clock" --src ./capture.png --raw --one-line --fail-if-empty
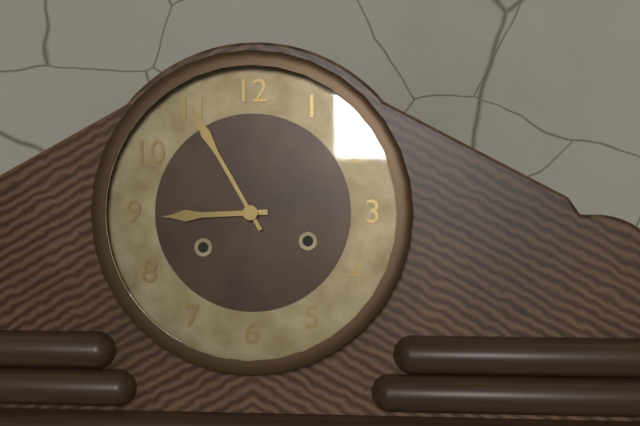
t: 8:55
